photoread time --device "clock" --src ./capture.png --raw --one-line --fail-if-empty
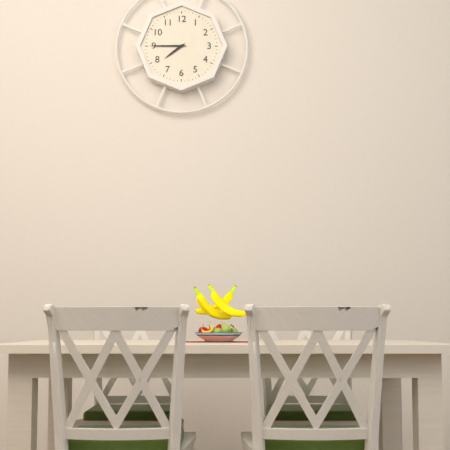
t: 7:45
